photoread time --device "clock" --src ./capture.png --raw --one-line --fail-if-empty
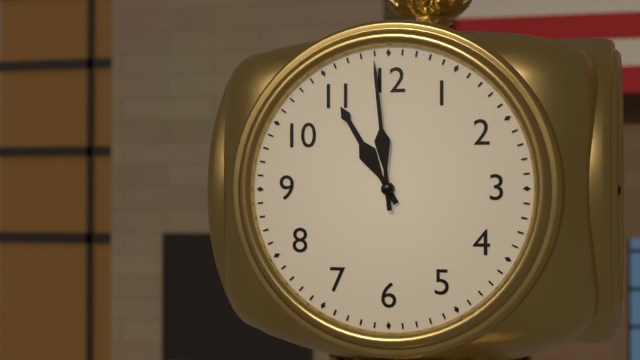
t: 10:59
